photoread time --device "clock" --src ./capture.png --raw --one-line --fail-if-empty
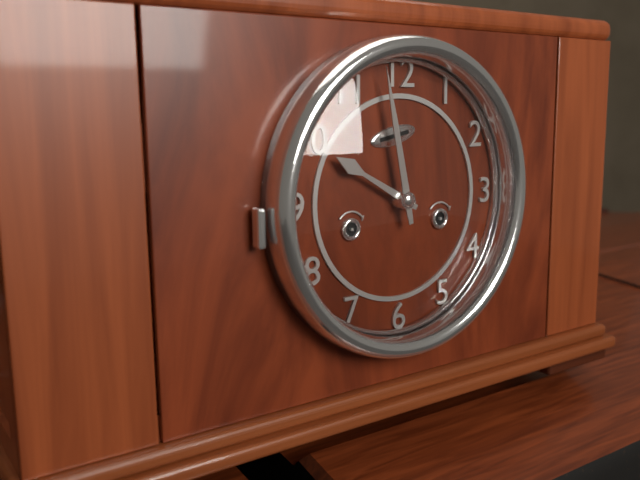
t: 9:58
